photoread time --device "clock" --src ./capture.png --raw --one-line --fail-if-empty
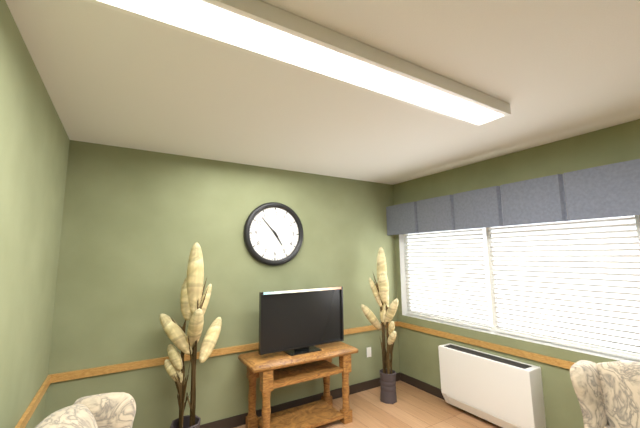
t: 4:53
